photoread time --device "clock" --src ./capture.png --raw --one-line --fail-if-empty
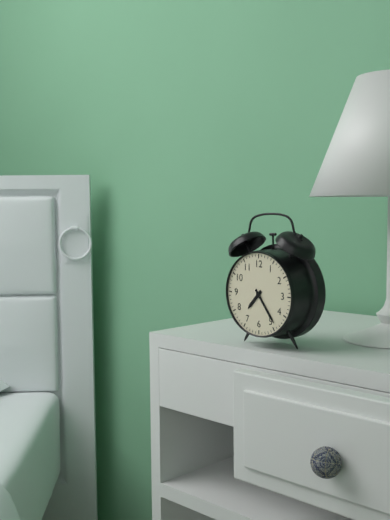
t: 7:24
